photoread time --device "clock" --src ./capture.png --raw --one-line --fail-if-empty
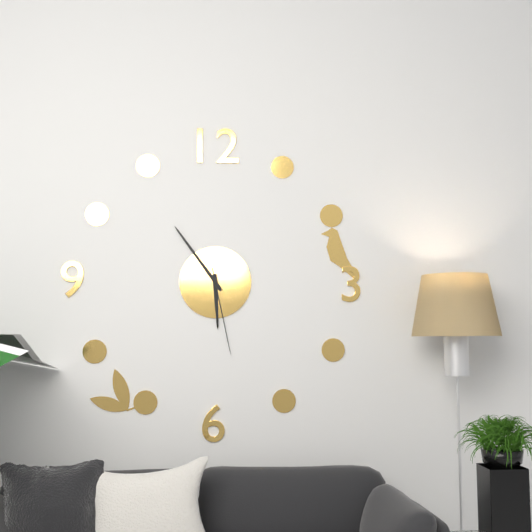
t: 5:54:28
